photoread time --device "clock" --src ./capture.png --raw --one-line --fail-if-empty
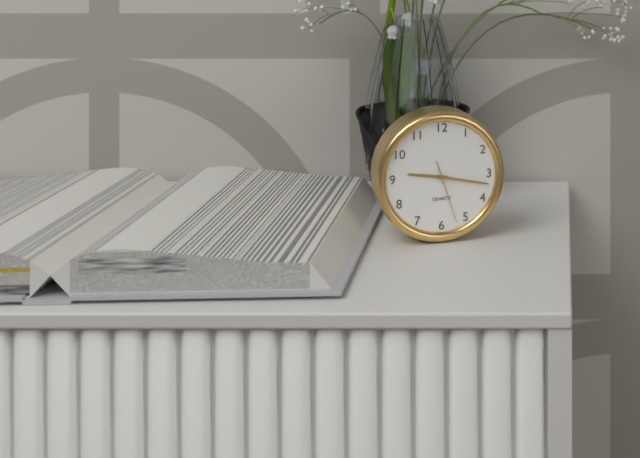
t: 9:17:27
